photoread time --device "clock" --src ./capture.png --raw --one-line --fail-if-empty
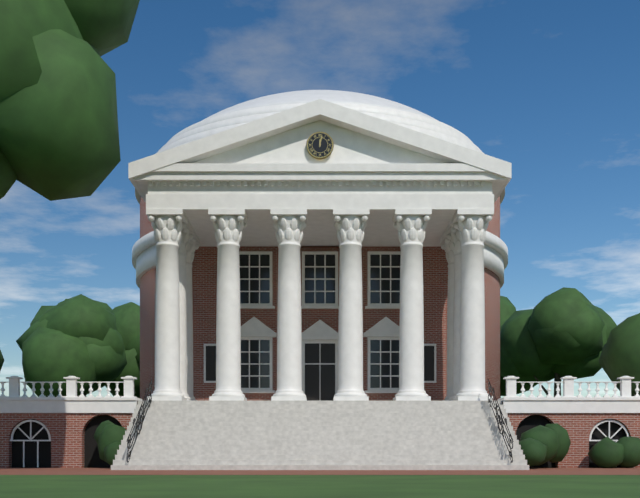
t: 12:02
